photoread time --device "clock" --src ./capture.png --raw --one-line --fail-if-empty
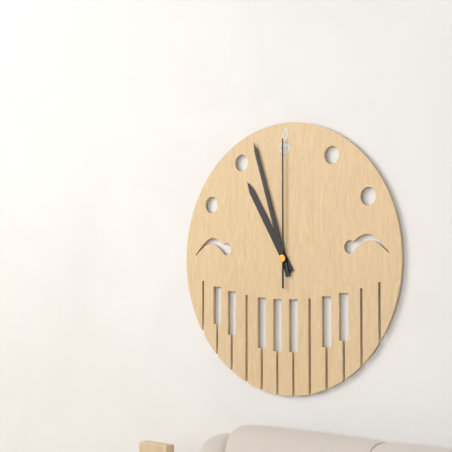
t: 10:57:00
